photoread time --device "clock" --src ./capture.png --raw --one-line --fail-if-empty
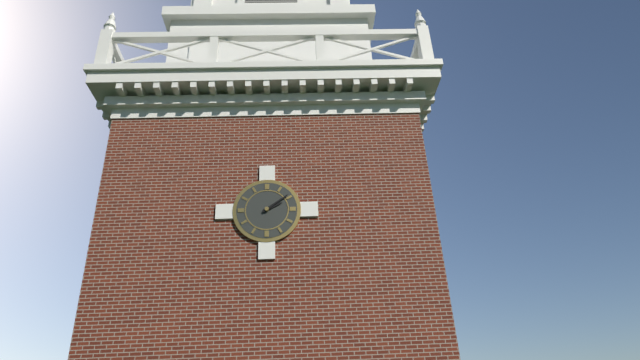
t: 2:09
